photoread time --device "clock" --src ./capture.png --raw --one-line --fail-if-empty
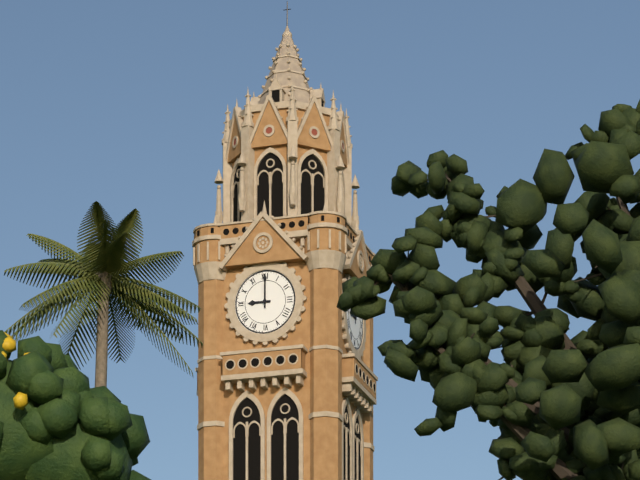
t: 9:00
